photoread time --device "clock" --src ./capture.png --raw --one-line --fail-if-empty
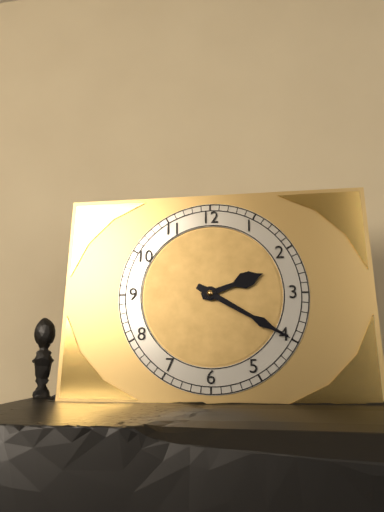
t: 2:20
